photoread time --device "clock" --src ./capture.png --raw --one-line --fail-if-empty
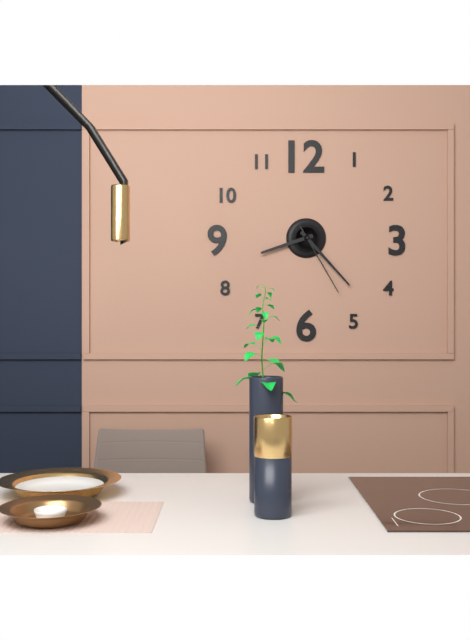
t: 8:23:25
